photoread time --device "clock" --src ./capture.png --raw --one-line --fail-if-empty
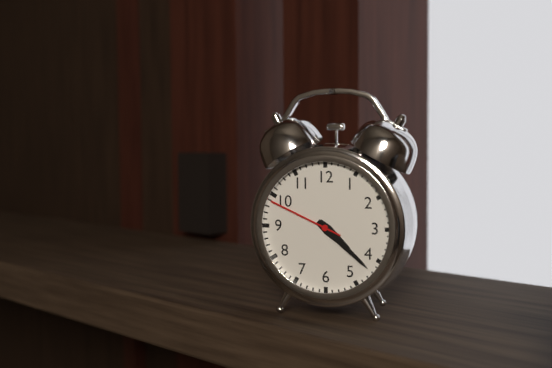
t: 4:22:49
